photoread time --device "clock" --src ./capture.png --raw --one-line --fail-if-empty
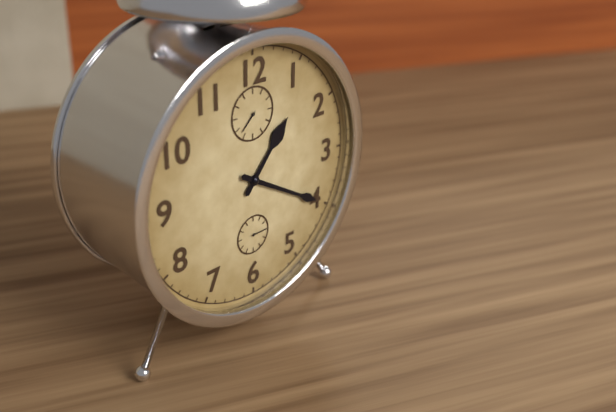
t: 1:20
